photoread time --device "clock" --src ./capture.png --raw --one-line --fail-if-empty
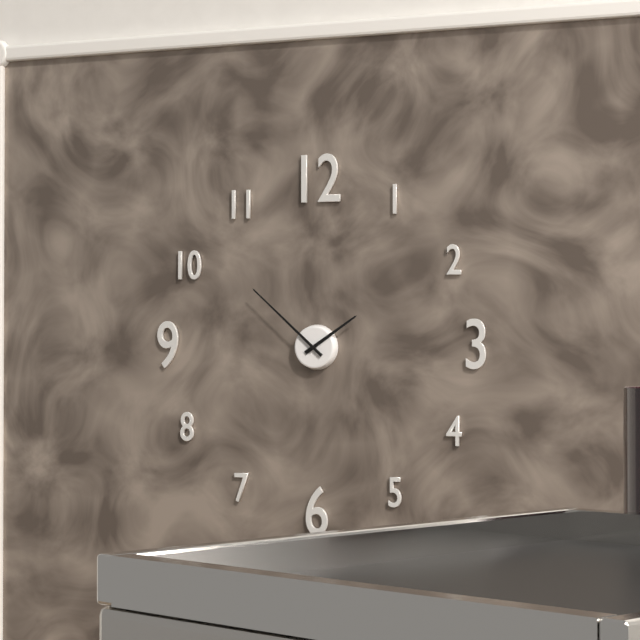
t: 1:52
